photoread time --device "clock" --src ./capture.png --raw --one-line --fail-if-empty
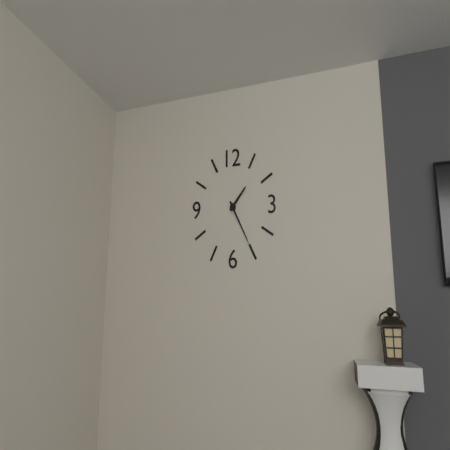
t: 1:25
